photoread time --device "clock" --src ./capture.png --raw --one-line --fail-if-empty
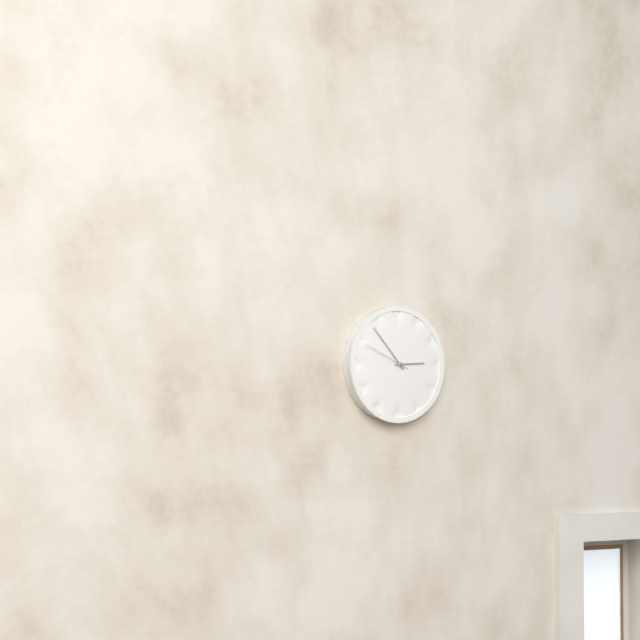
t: 2:53
